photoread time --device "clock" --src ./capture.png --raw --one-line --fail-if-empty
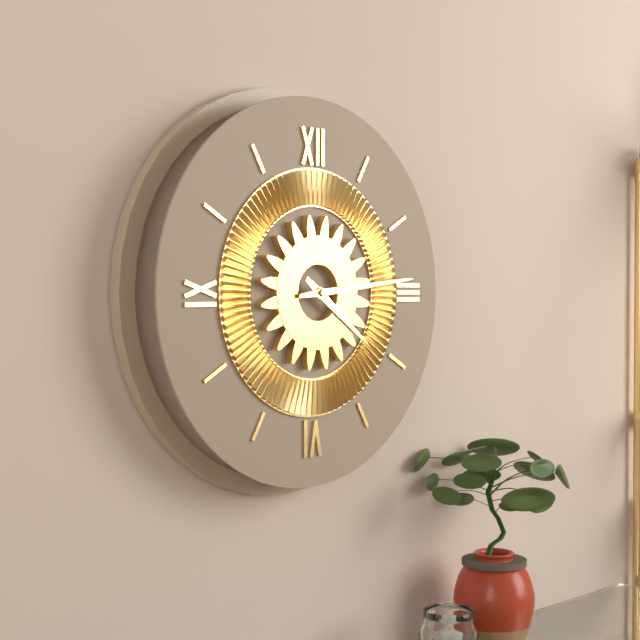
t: 4:14
